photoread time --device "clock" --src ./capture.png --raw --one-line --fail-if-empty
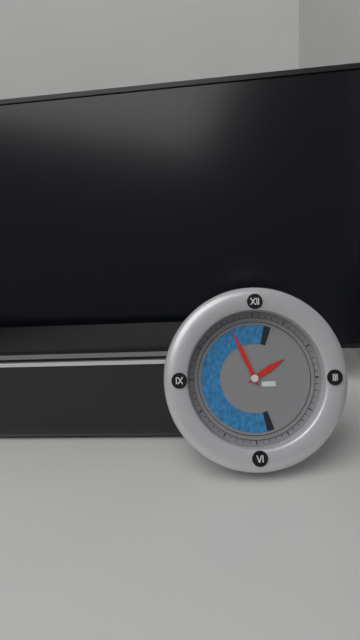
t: 1:56
